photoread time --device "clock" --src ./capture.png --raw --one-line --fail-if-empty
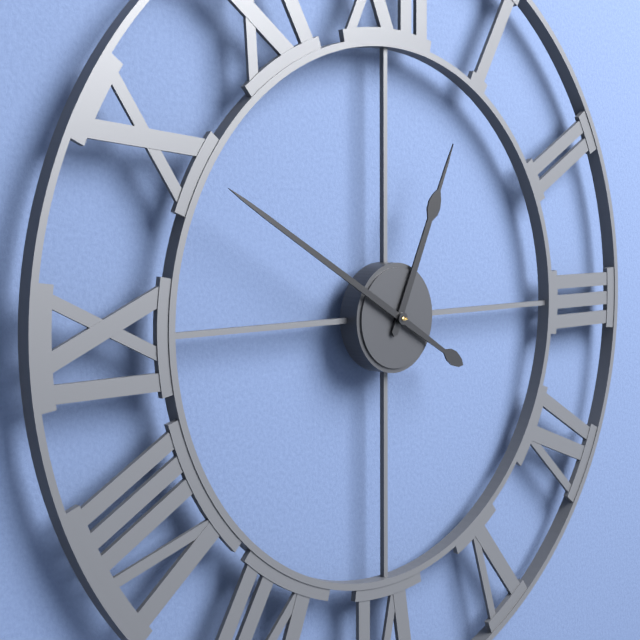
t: 12:50
